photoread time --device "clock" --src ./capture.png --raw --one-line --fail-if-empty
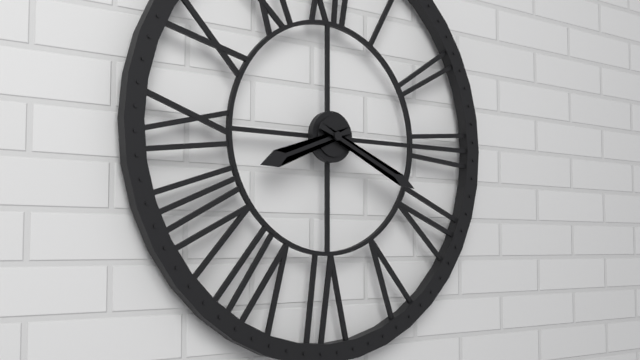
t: 8:19
